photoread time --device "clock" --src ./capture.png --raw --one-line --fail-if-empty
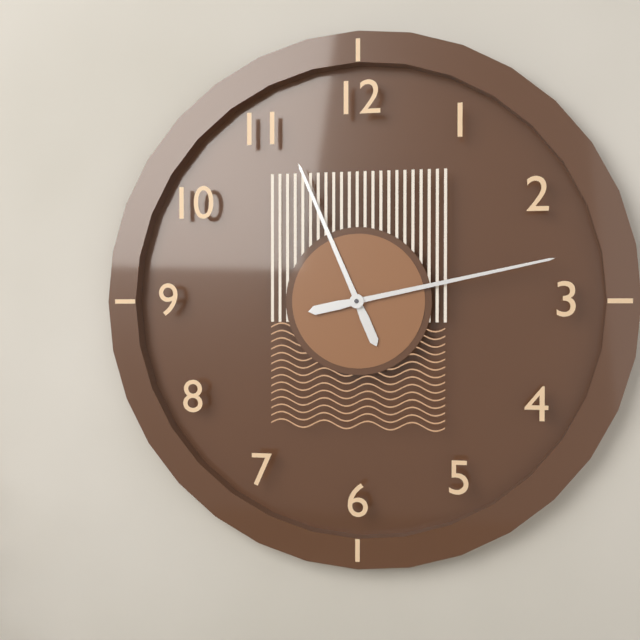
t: 11:13
